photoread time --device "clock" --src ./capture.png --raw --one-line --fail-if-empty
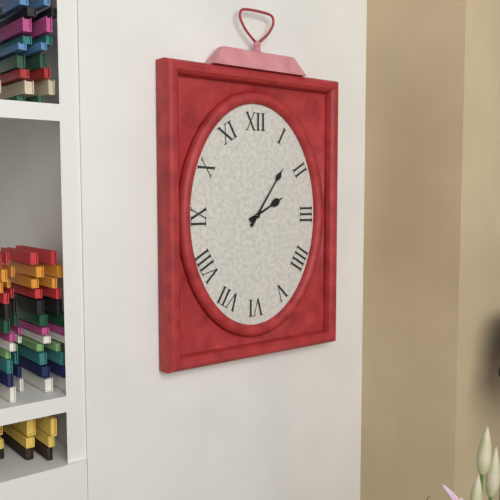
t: 2:06
